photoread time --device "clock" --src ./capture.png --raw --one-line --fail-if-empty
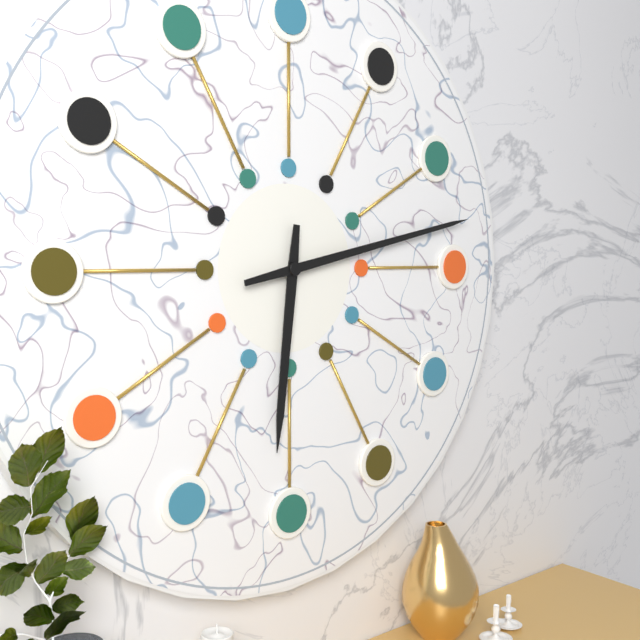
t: 6:13
